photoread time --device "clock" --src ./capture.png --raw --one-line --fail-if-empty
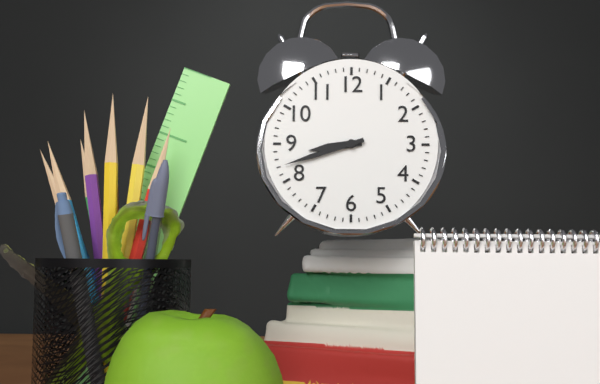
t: 8:42
